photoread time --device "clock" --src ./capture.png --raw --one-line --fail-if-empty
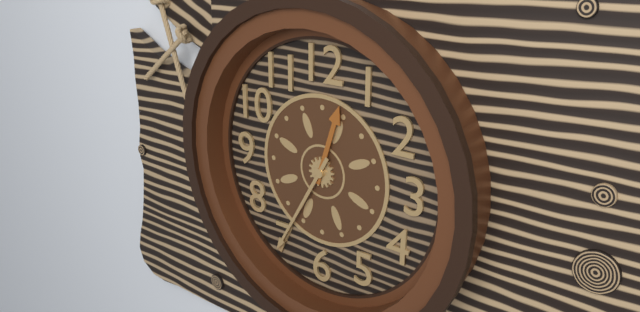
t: 12:35
